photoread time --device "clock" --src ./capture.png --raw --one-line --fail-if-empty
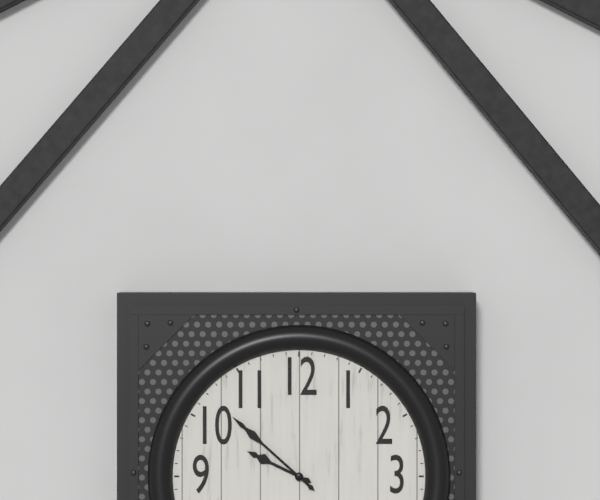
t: 9:52
